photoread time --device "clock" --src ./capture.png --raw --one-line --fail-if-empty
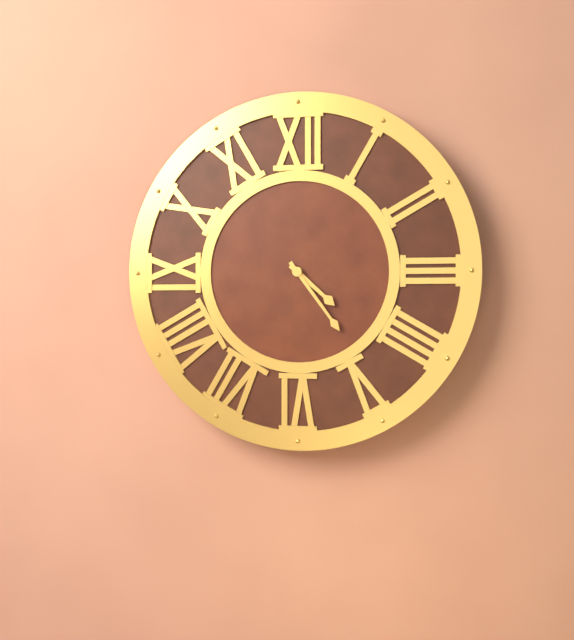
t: 4:24
